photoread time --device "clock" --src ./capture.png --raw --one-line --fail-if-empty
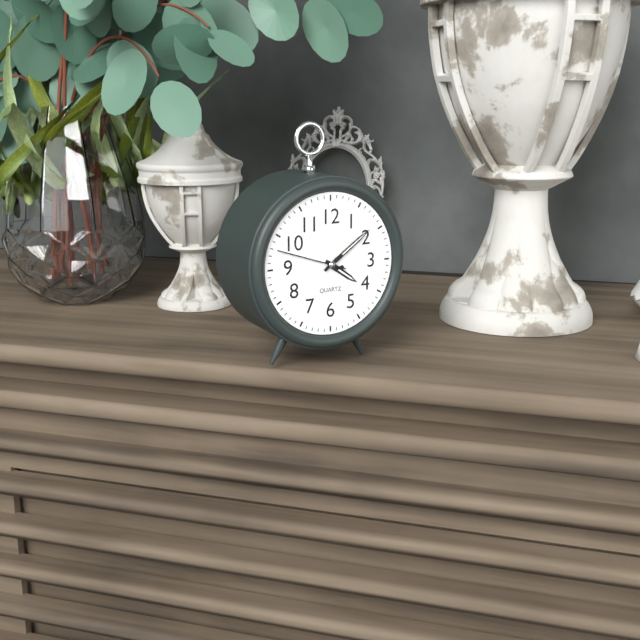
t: 4:09:48
